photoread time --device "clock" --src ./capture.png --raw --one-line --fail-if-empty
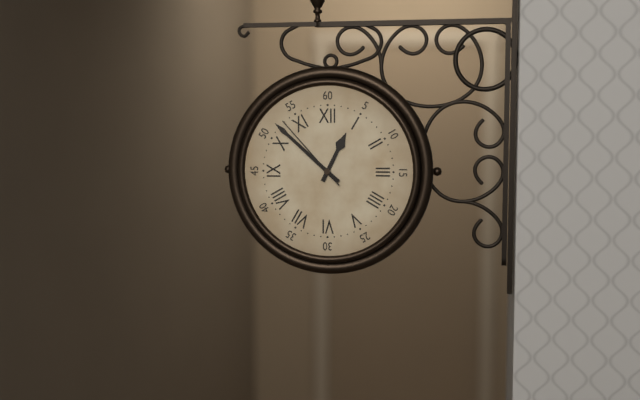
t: 12:52:53
